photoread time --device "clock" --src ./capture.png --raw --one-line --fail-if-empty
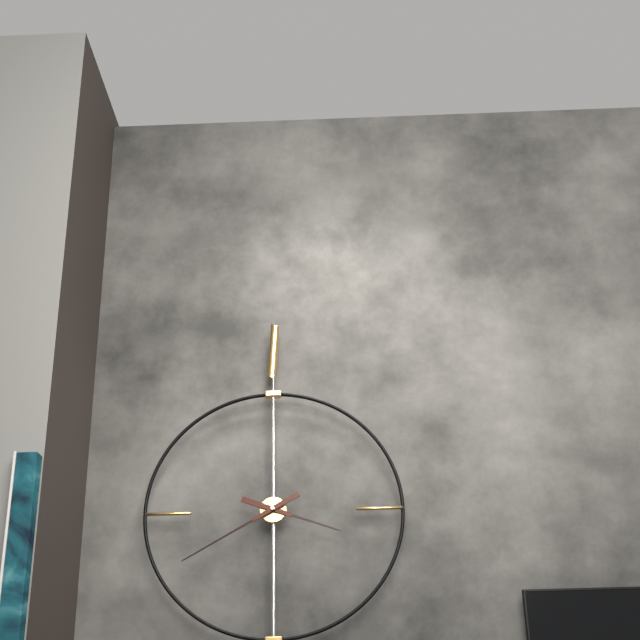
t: 3:40
